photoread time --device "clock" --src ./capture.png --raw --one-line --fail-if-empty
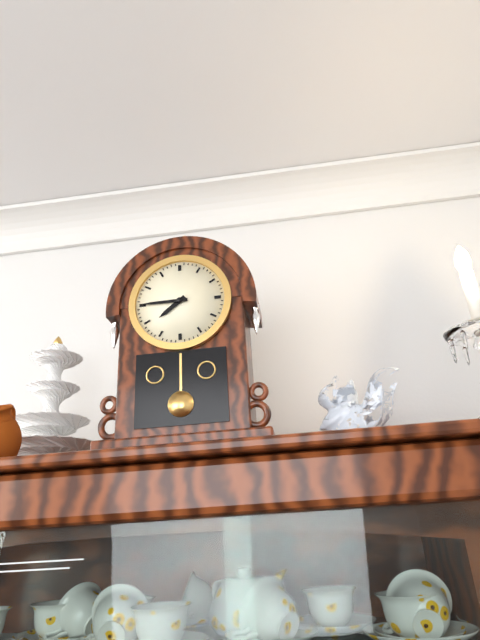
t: 7:45
